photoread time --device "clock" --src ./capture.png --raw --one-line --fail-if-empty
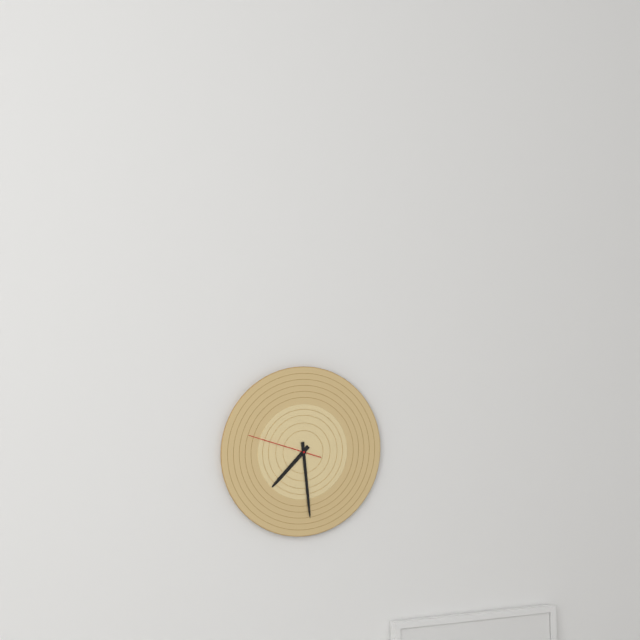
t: 7:29:48
